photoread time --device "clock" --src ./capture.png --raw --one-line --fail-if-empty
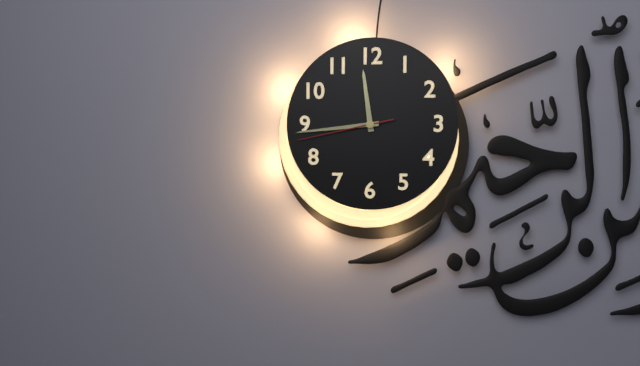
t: 11:44:43
